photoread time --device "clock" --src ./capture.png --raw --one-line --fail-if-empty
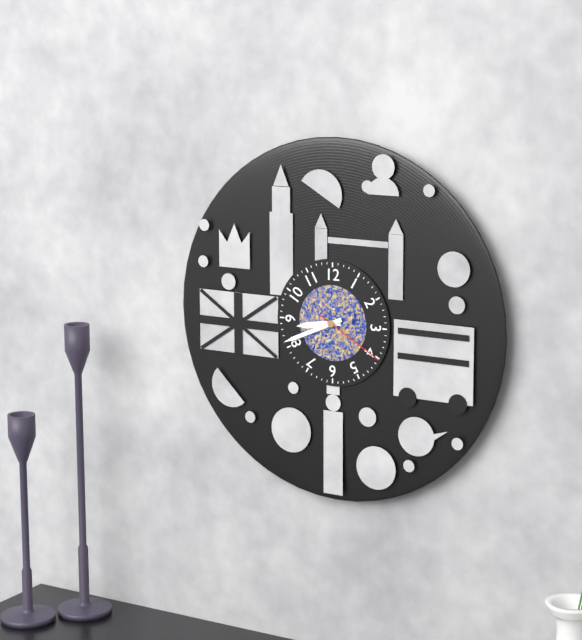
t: 8:41:20
